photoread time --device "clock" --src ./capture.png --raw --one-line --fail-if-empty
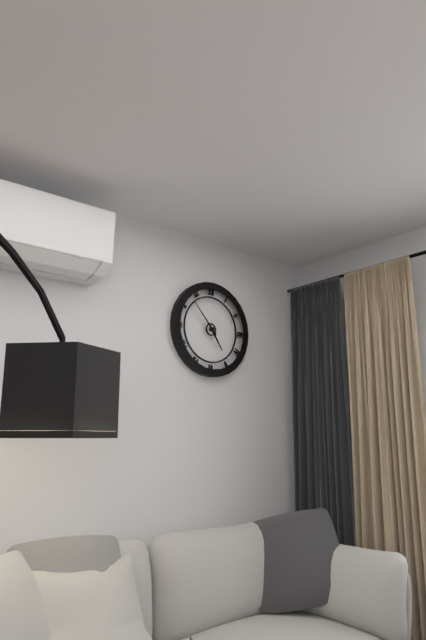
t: 4:53
